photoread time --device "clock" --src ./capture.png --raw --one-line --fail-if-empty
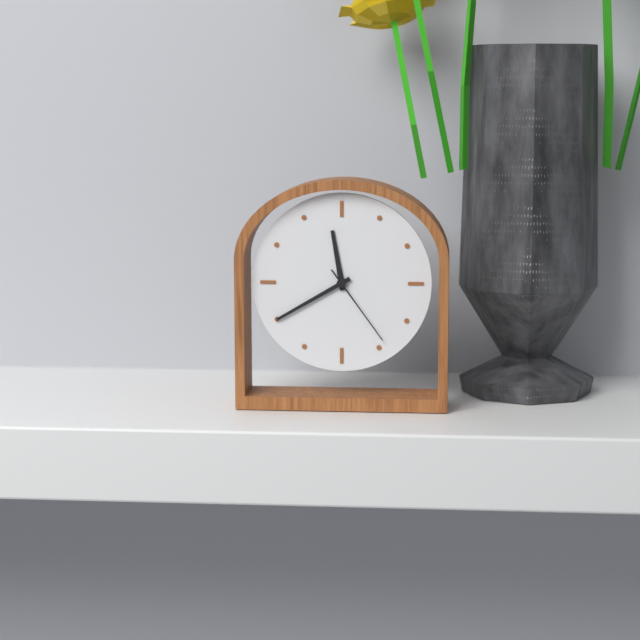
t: 11:40:24
